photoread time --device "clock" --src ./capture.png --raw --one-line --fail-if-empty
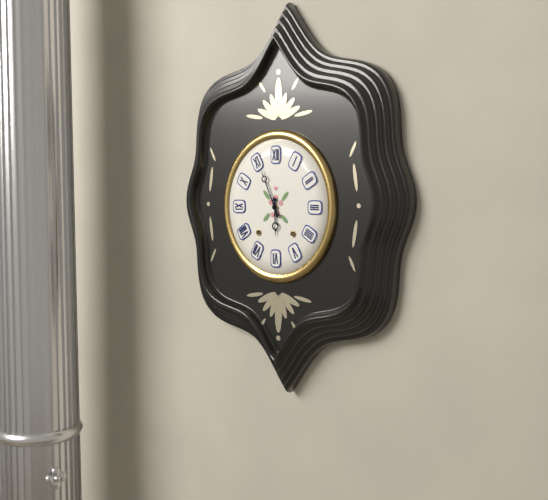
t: 5:56
